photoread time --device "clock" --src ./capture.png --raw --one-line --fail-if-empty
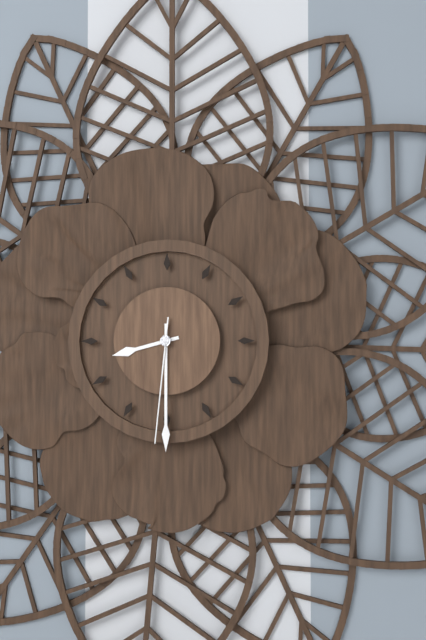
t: 8:30:31
